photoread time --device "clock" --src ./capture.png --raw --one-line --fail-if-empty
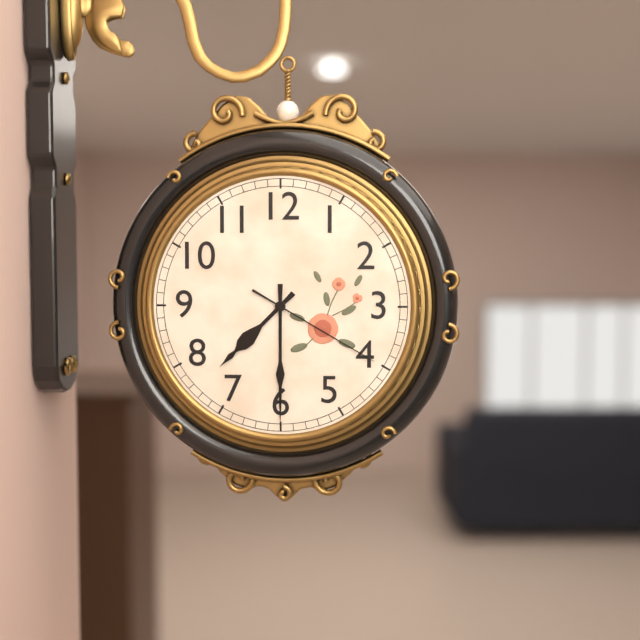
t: 7:30:20
